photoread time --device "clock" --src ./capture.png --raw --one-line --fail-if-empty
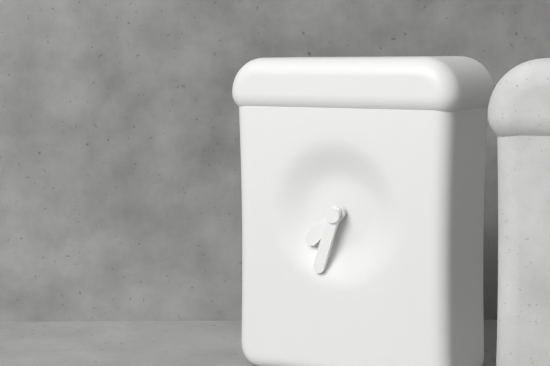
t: 7:33
